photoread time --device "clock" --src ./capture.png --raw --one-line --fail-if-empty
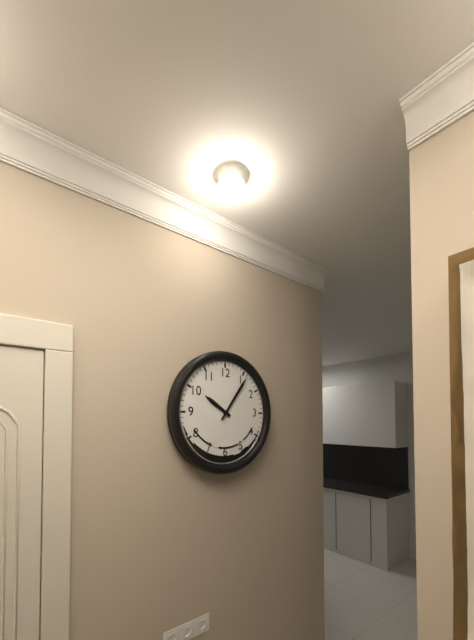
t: 10:06
